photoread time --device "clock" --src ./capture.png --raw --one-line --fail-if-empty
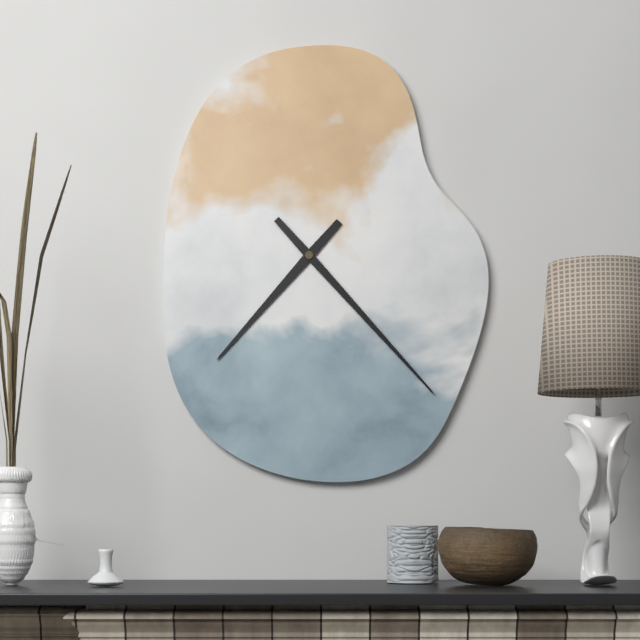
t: 7:23
